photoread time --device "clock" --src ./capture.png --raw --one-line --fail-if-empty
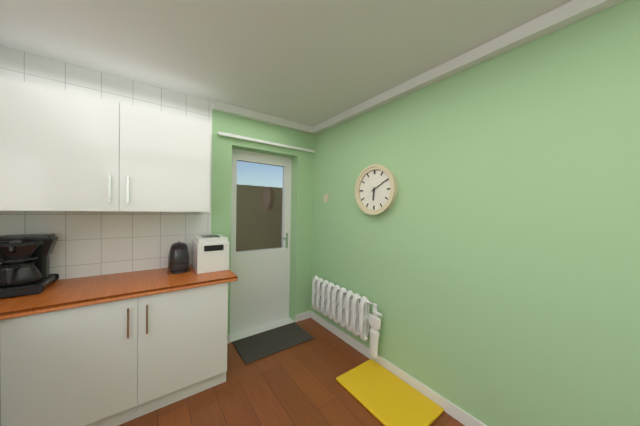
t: 6:10
